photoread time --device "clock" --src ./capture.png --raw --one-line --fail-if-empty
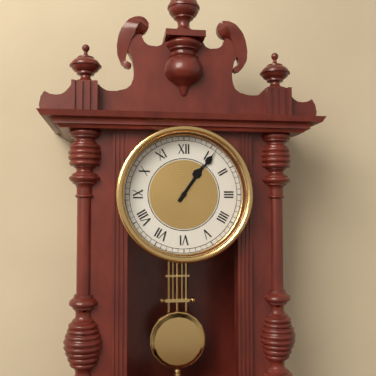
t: 1:06
